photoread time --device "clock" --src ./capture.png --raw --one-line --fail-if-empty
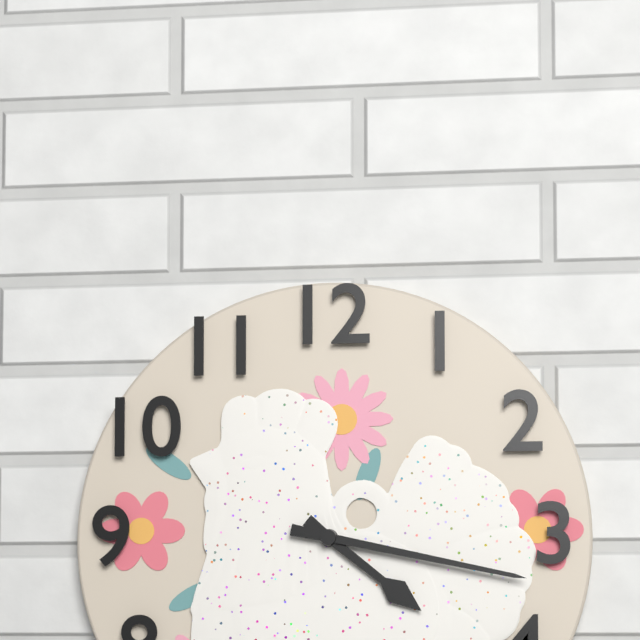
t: 4:17
